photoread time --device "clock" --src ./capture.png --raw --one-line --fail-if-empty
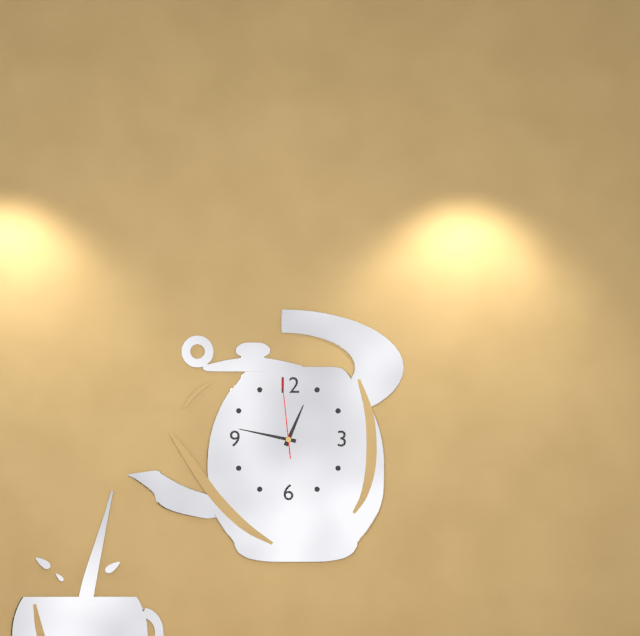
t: 12:47:59
